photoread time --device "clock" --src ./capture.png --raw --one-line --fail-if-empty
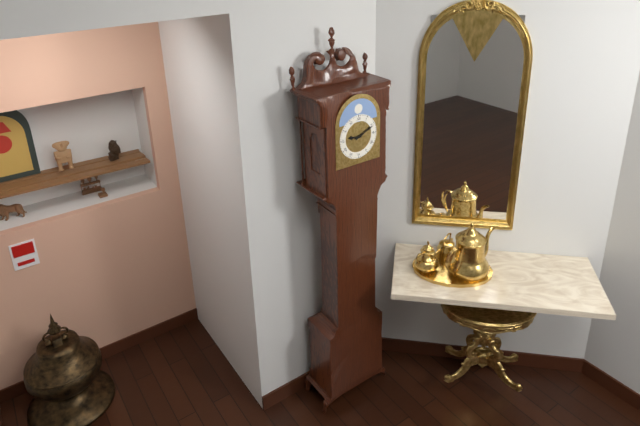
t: 9:11
